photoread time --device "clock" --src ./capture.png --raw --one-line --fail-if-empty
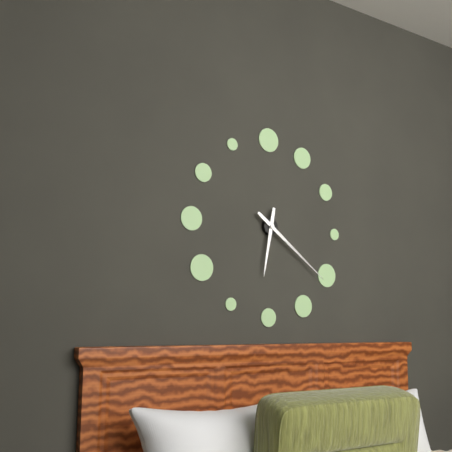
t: 6:21
